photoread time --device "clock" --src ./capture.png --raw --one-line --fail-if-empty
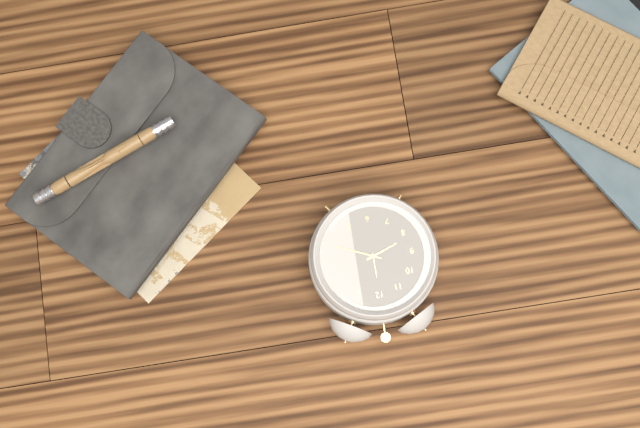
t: 8:19
